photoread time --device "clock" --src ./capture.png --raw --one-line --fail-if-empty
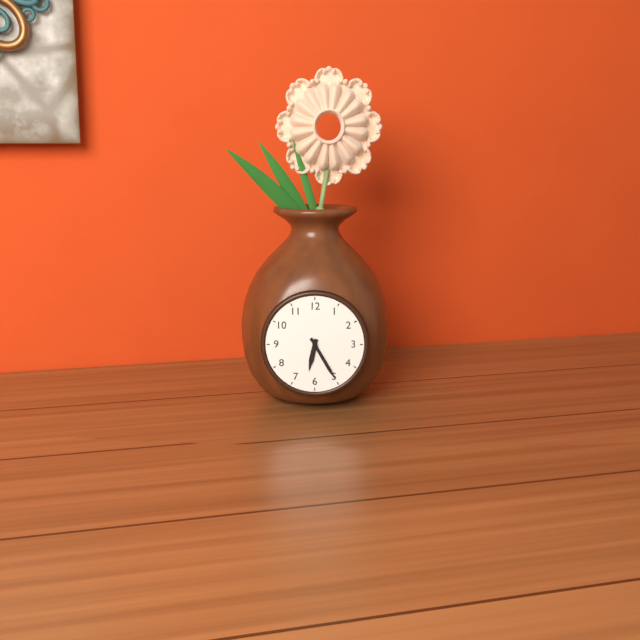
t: 6:25
